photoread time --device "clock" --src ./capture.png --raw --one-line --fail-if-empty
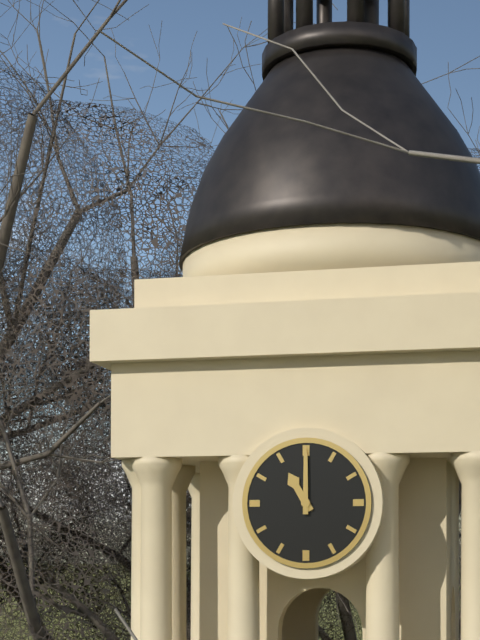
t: 11:00
